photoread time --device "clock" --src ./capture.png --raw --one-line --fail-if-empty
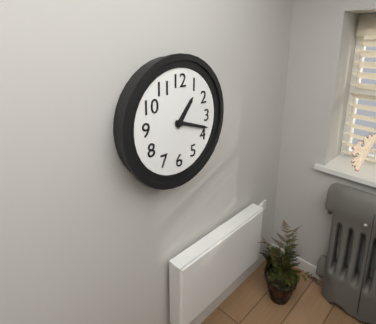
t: 1:18
